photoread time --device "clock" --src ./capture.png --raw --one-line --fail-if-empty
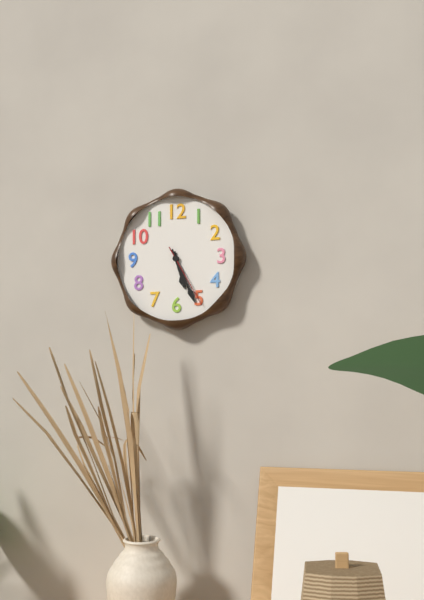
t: 5:26:25
